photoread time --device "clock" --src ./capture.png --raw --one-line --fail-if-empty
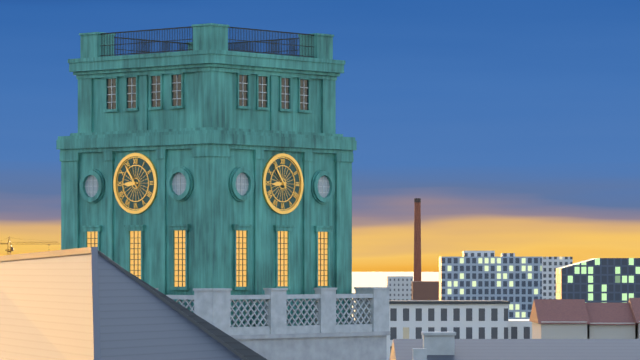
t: 8:54
